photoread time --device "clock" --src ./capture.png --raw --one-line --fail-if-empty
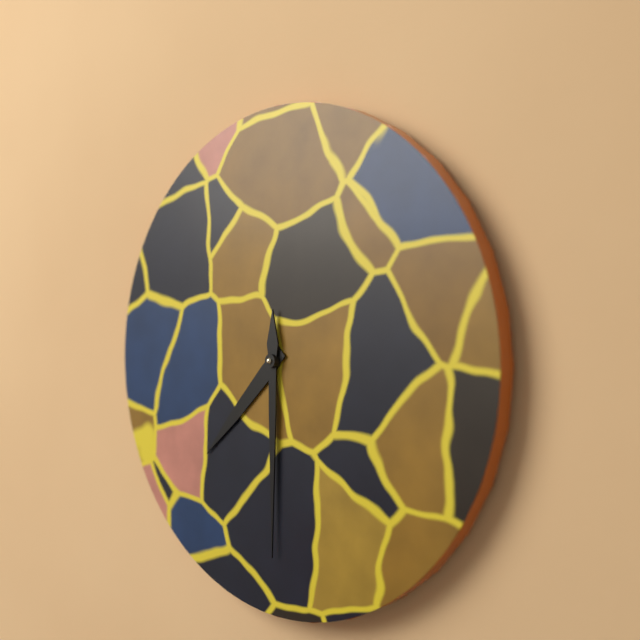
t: 7:30
